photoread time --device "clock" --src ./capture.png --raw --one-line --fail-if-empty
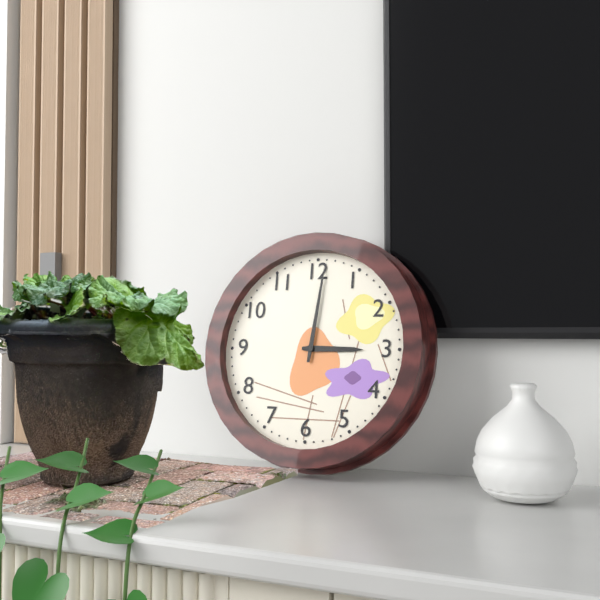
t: 3:01
